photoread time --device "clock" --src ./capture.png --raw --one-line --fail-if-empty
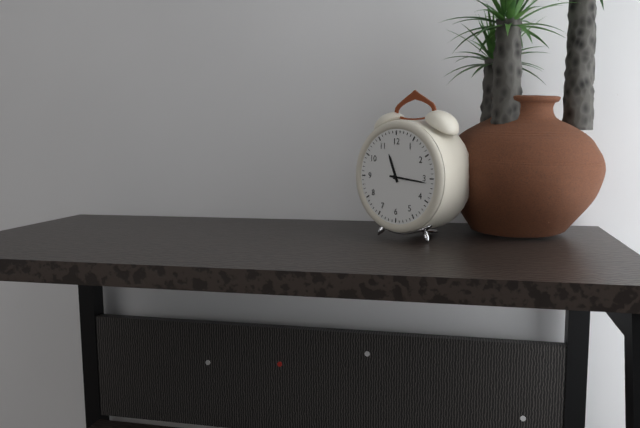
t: 11:16
